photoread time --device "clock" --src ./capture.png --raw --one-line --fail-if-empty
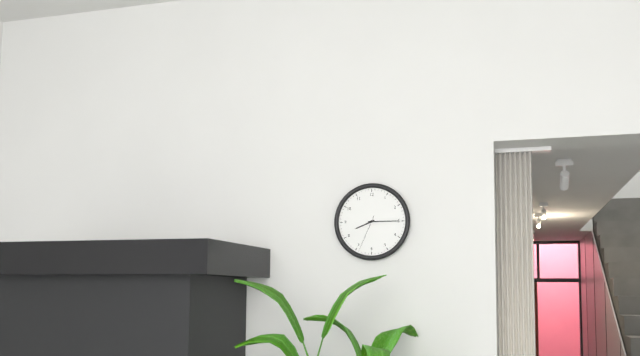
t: 8:15
